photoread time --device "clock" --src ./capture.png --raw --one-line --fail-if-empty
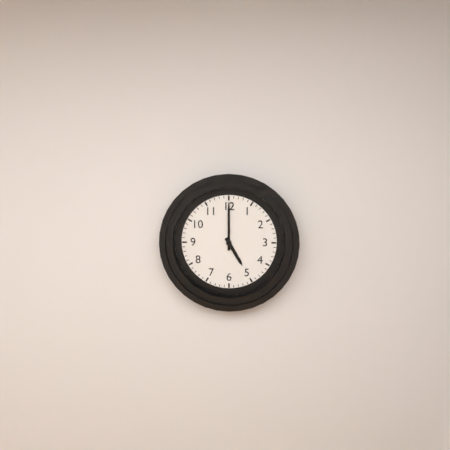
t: 5:00
